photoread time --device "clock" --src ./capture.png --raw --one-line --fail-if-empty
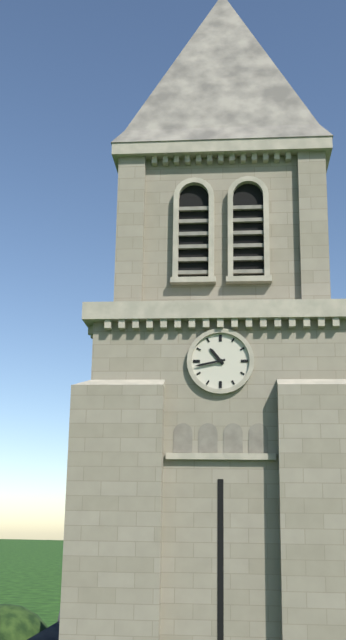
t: 10:43
